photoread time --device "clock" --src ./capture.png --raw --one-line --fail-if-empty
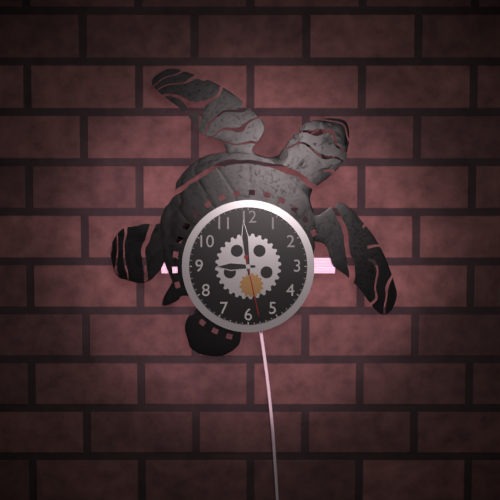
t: 8:59:28
